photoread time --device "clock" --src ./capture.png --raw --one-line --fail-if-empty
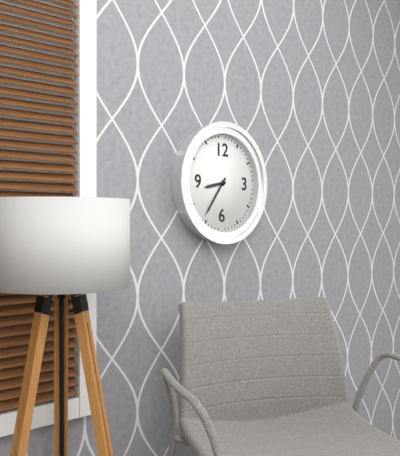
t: 8:36
